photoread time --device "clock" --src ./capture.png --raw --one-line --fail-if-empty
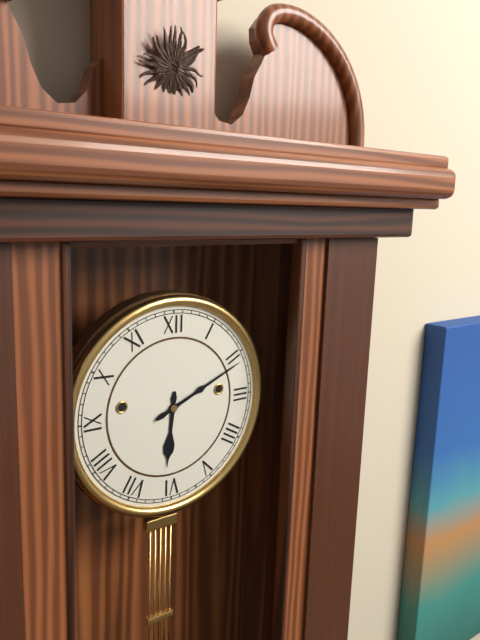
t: 6:11
